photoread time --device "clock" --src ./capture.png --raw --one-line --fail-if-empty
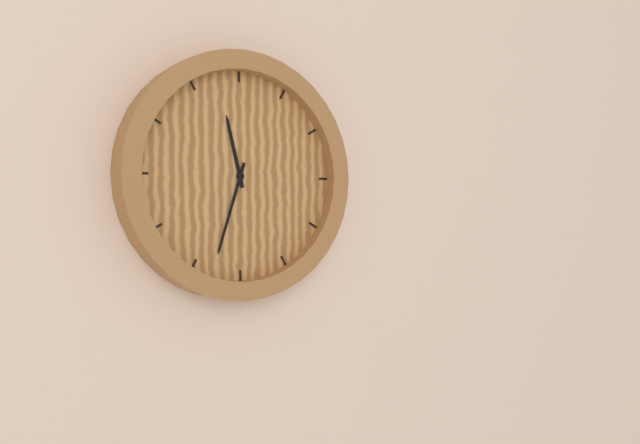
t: 11:33
